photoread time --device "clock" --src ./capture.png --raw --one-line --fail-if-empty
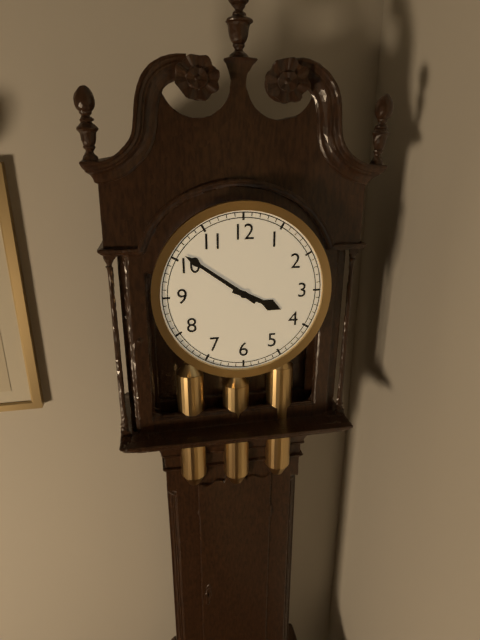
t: 3:51
